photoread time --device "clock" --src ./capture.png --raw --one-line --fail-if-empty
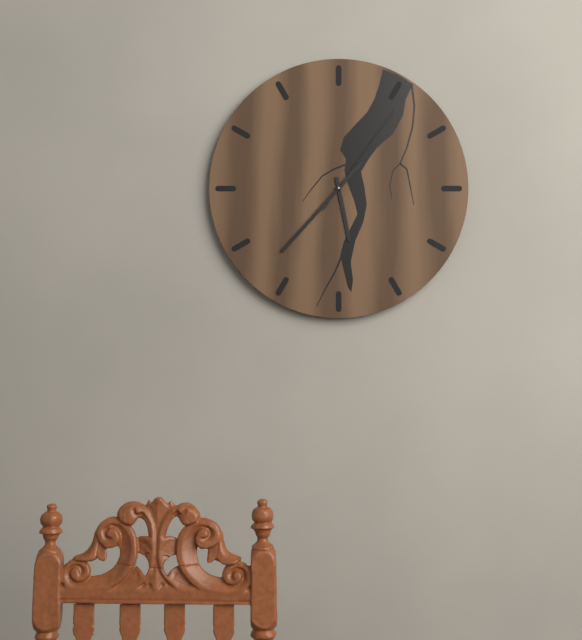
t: 5:37:06
